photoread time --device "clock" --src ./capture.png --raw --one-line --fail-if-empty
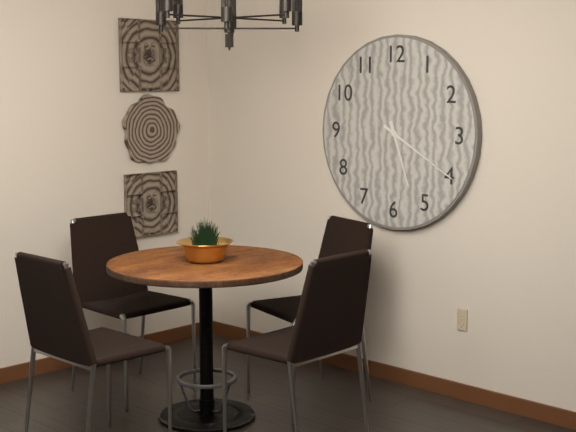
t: 5:20
